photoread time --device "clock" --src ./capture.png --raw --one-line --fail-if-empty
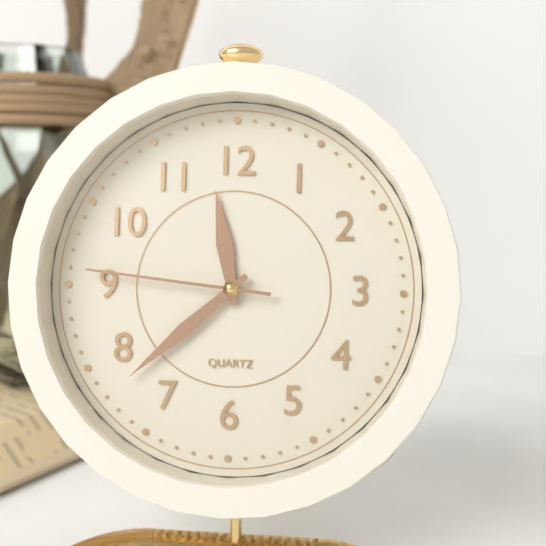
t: 11:38:46
